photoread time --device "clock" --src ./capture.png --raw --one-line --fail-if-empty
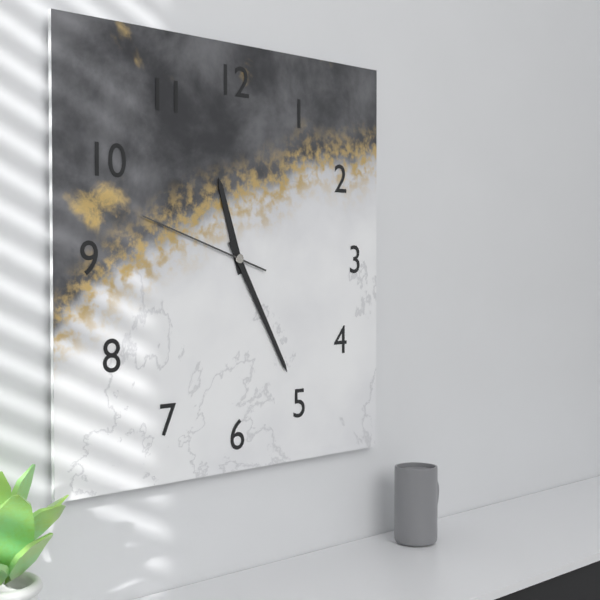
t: 11:25:48
